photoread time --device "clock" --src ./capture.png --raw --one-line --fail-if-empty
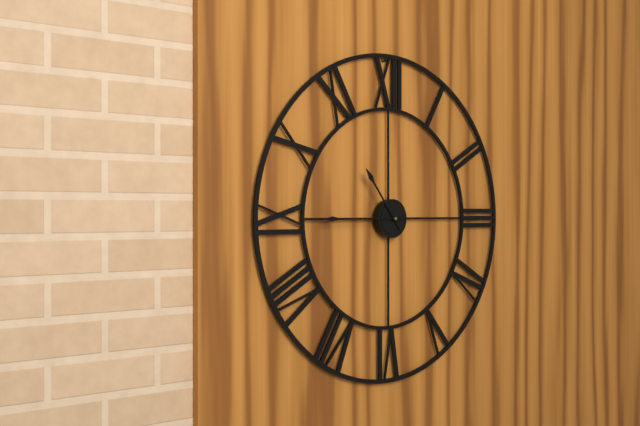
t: 10:45
